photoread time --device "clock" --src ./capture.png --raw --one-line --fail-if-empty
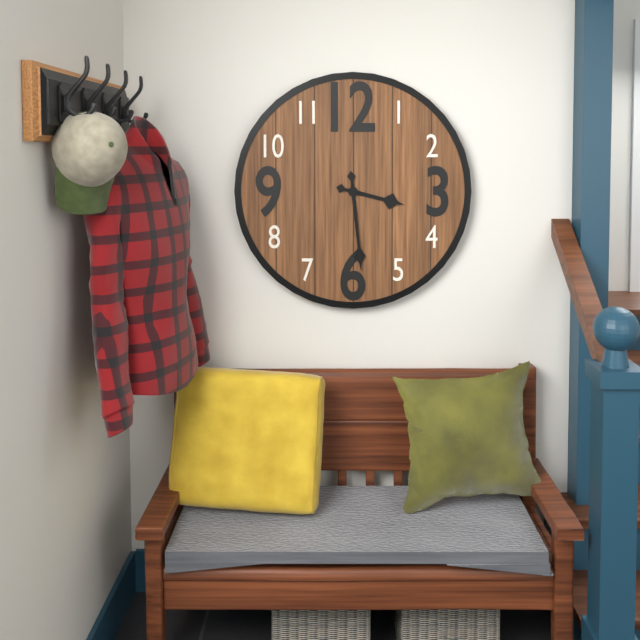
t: 3:29
